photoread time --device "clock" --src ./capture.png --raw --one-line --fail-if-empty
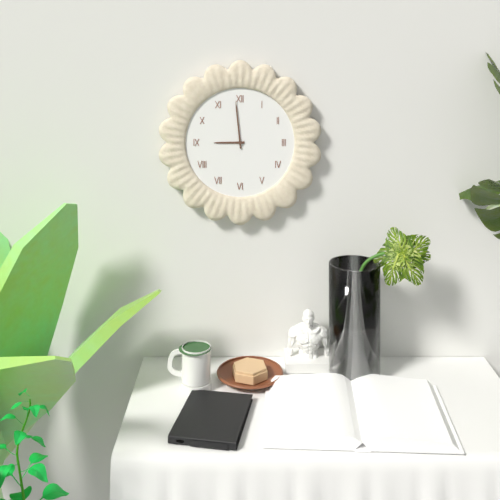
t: 8:59
